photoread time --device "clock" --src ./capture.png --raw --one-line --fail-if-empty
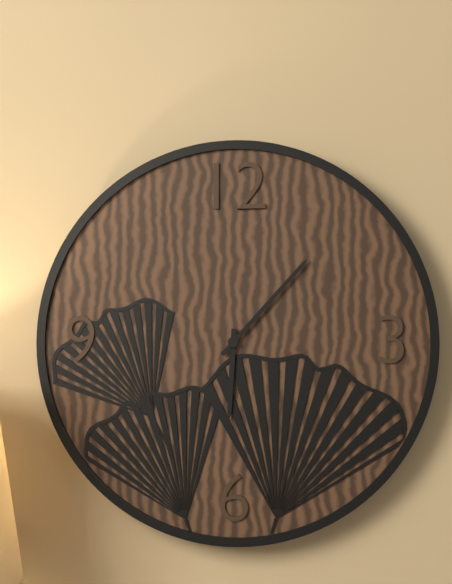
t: 6:07
